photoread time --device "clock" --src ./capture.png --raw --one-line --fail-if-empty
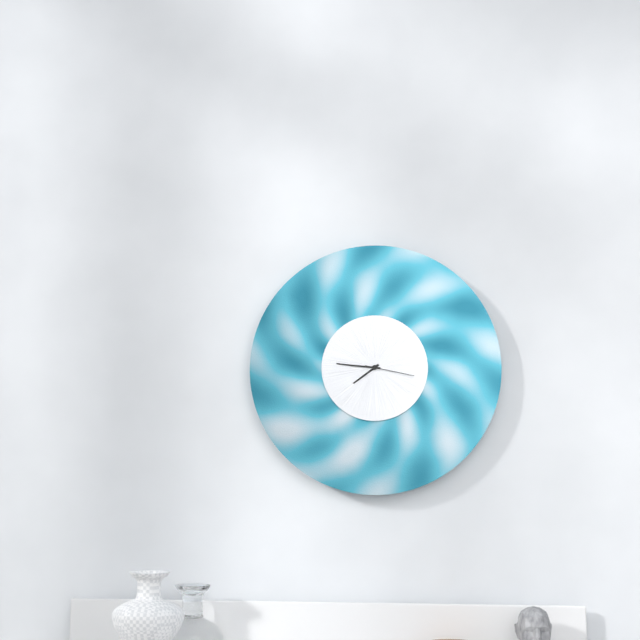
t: 7:46:17
